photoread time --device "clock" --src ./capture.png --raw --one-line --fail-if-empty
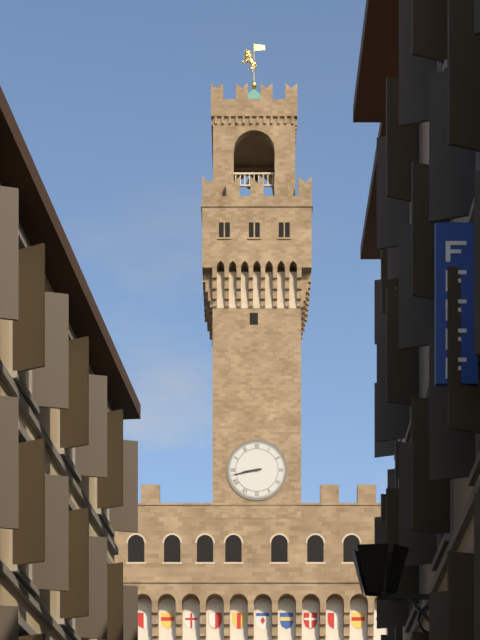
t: 8:43
